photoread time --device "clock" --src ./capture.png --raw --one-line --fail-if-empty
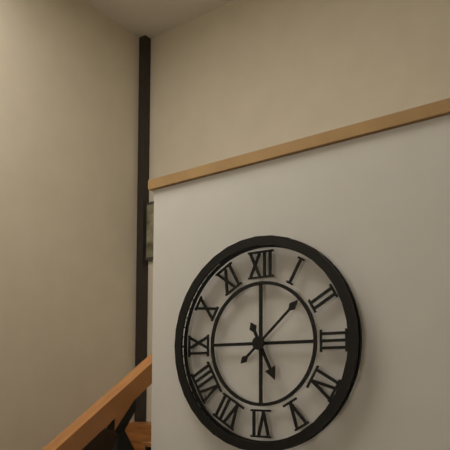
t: 5:08
